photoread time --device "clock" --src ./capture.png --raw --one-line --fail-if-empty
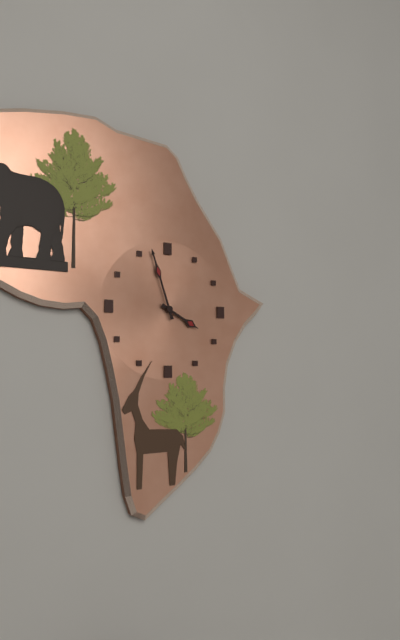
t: 3:57
